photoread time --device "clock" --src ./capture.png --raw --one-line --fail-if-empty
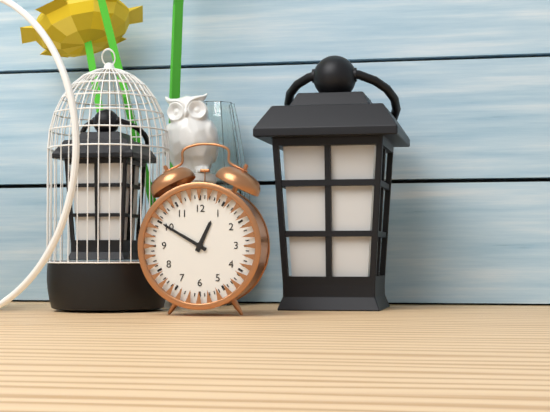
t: 12:50
